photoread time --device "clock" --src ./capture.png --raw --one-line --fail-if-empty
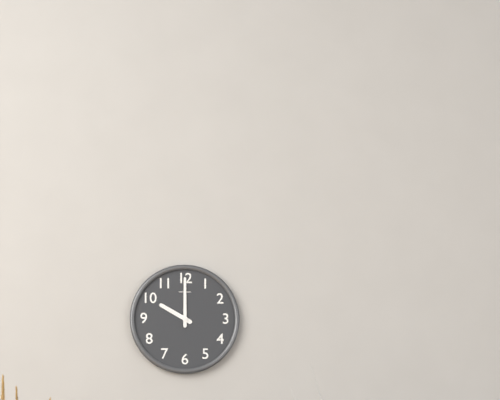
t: 10:00
